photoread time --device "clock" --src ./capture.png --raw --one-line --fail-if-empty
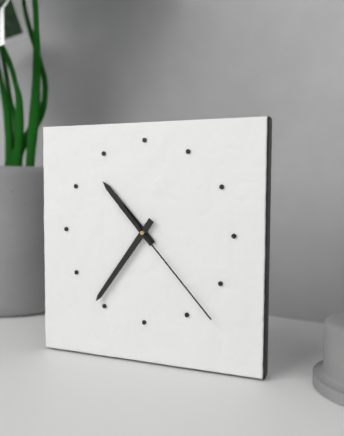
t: 10:36:23
